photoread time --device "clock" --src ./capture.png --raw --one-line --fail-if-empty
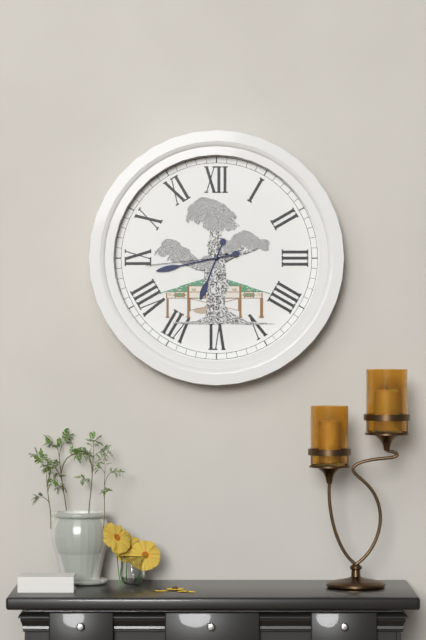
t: 6:43:44
